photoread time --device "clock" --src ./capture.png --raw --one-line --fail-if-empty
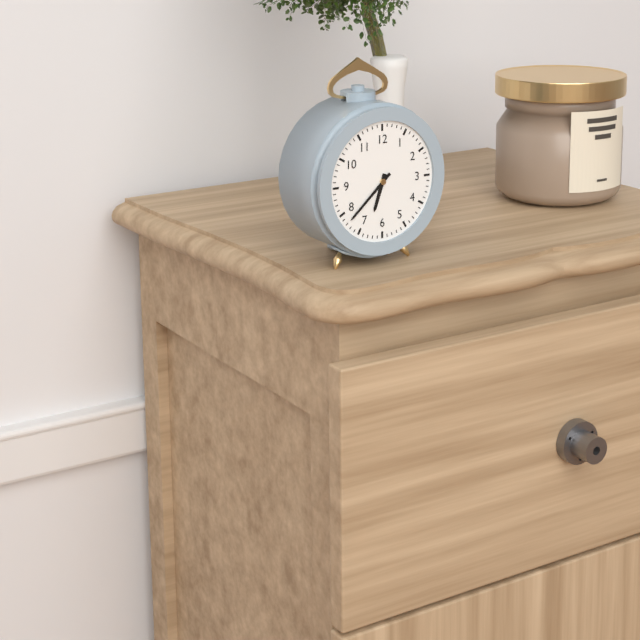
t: 6:38
